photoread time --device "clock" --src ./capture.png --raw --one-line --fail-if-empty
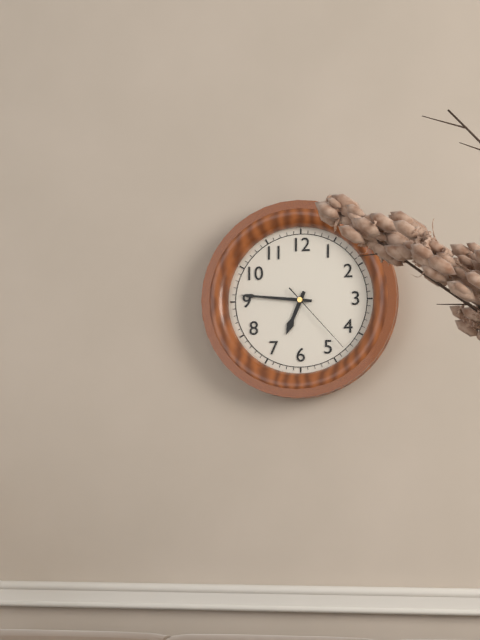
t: 6:46:23
